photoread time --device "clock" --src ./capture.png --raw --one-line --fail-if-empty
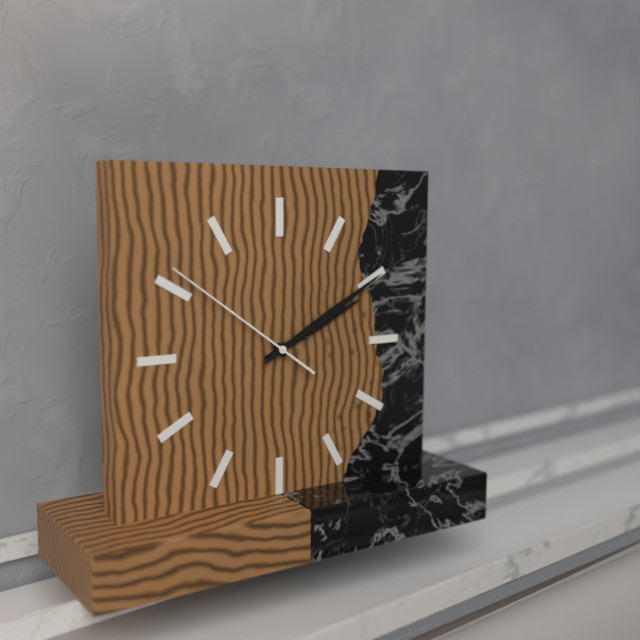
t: 2:10:51
